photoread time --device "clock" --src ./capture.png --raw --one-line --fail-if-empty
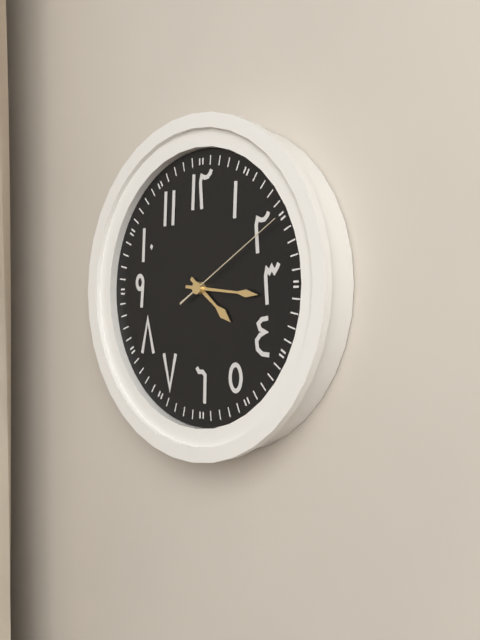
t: 4:16:10
